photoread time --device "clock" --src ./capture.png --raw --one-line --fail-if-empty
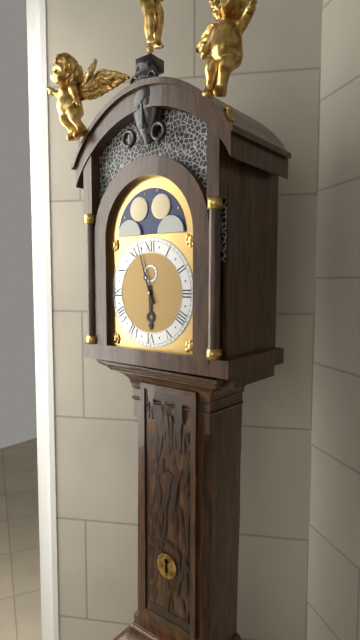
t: 5:57
